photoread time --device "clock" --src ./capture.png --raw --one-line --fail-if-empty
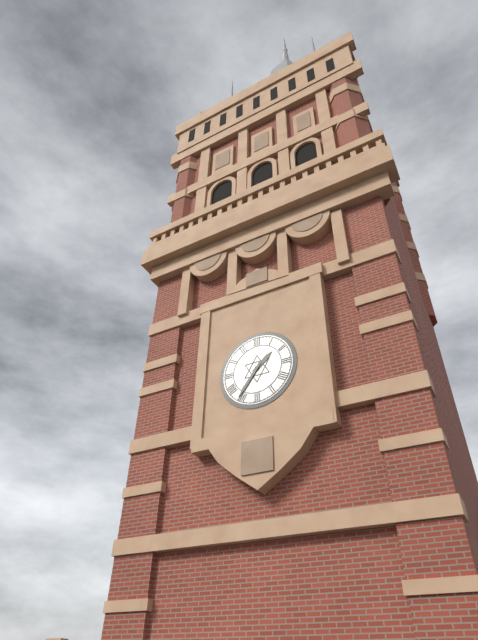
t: 1:36
